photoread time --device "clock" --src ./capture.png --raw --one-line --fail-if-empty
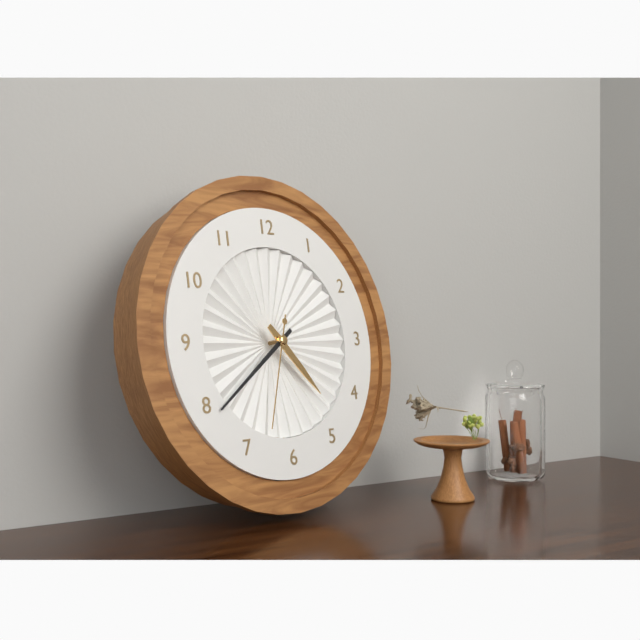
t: 4:39:33
